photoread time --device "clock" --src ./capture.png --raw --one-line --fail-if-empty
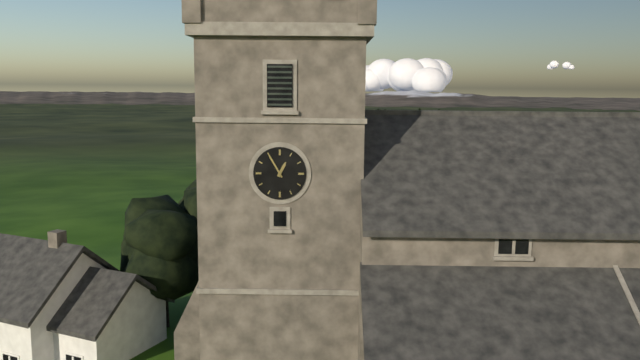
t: 12:55
